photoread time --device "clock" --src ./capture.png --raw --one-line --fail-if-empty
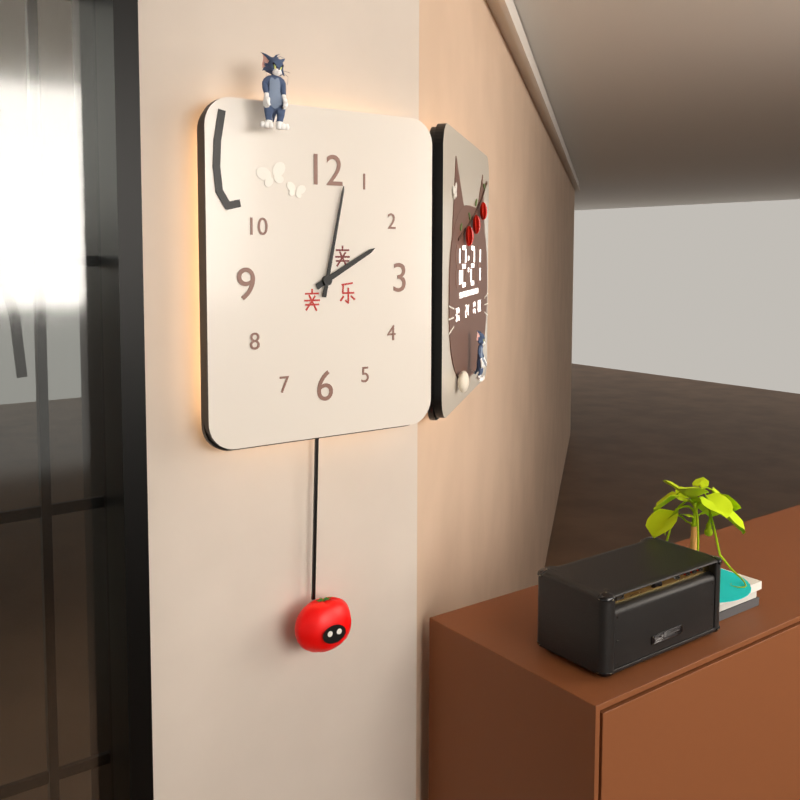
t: 2:02
